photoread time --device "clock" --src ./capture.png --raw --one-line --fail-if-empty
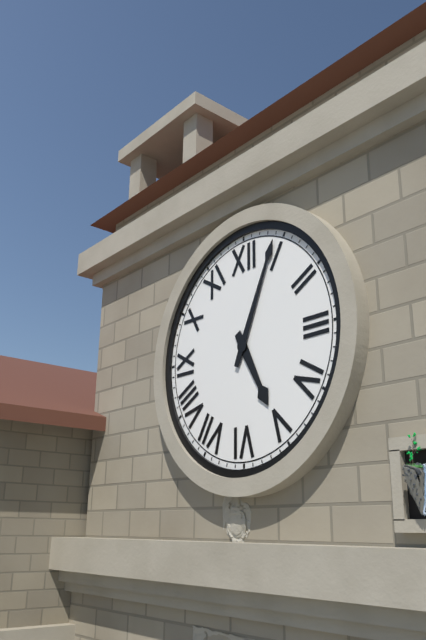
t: 5:04
